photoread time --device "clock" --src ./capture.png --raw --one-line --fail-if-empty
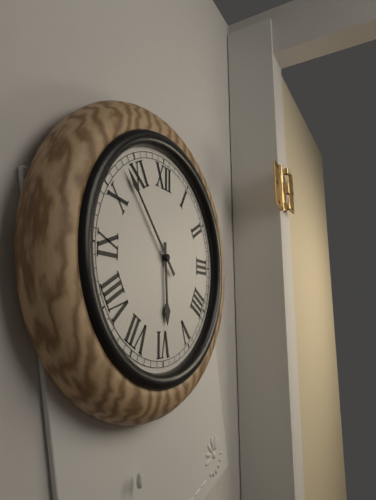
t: 5:53
